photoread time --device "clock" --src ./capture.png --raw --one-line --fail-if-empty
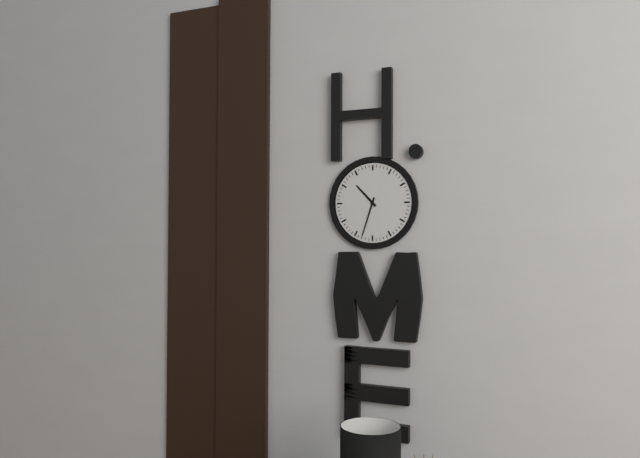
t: 10:33
